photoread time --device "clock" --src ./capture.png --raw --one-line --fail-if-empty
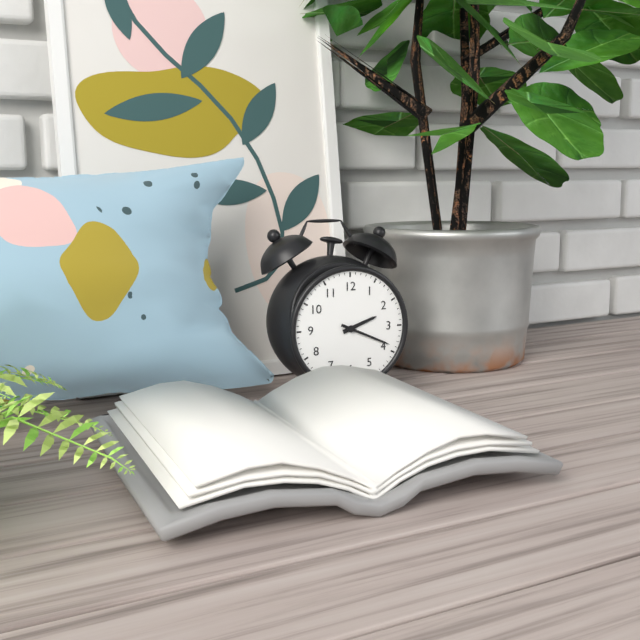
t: 2:19
